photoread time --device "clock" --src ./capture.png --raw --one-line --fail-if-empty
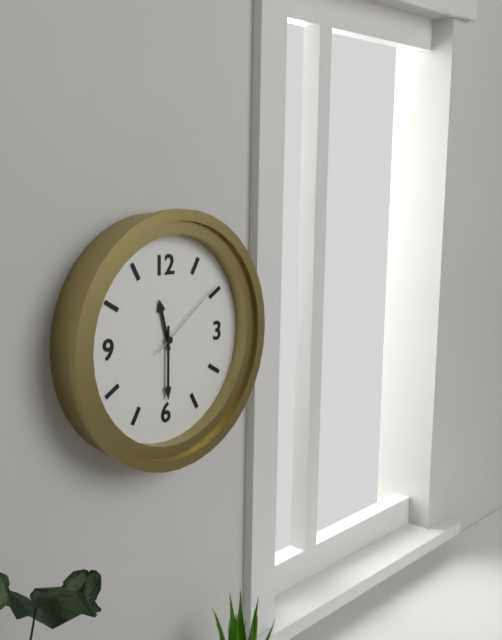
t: 11:30:09
